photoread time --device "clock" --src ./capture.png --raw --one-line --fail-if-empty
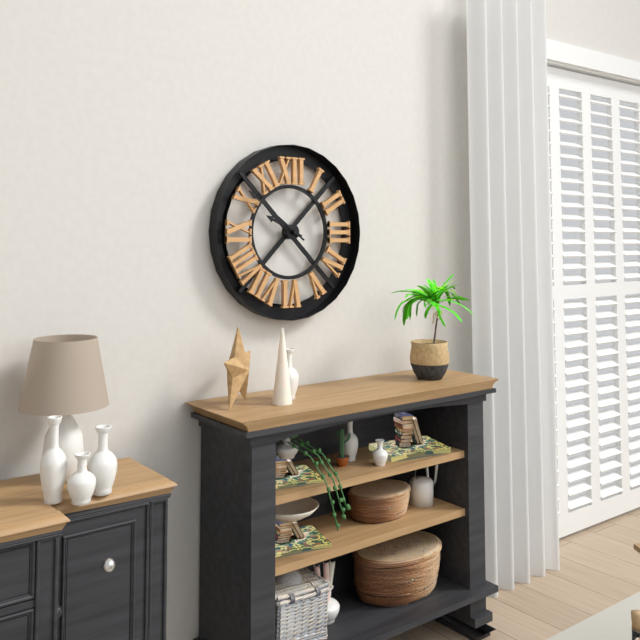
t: 9:51
